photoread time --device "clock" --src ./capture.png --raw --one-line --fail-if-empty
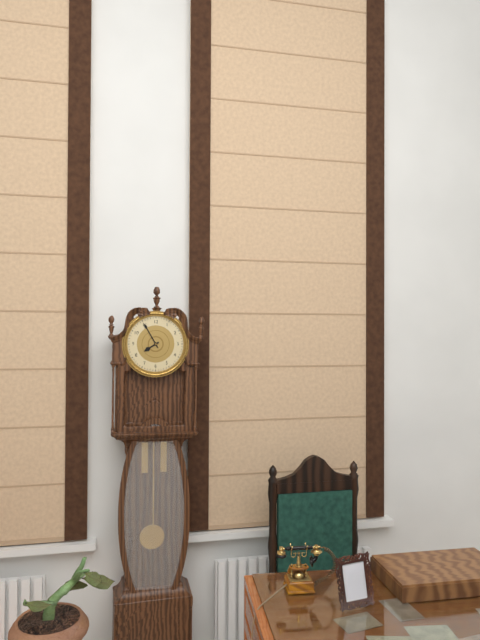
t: 7:55
